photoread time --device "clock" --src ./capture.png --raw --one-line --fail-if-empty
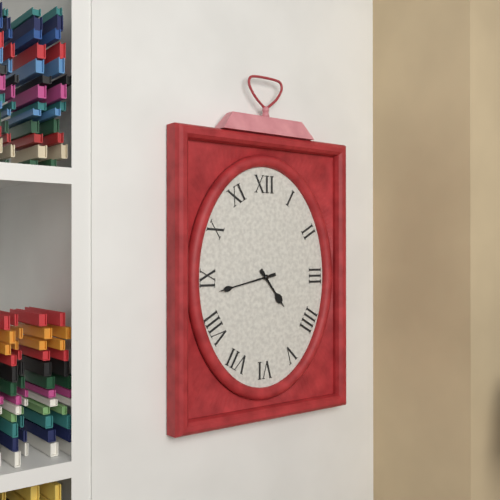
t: 4:43
